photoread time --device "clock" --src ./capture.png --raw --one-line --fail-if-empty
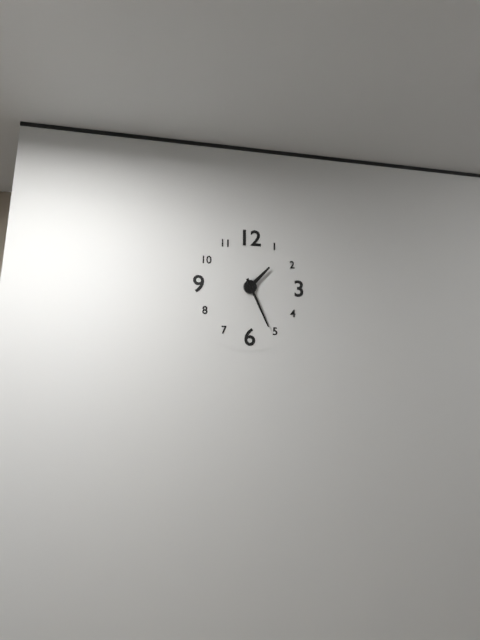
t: 1:26
